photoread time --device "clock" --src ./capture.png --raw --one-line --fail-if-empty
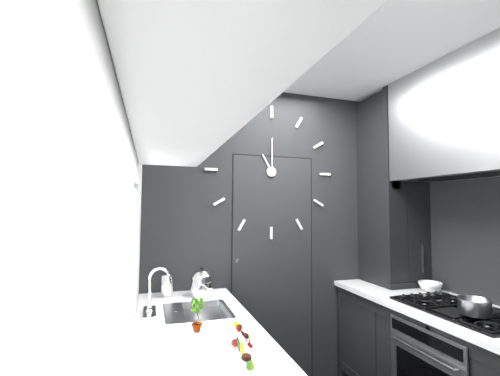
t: 11:00
